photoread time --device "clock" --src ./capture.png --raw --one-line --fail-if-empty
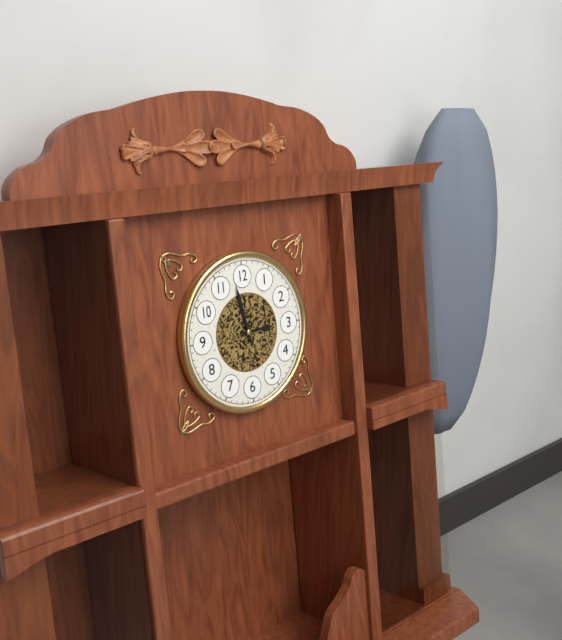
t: 2:58
